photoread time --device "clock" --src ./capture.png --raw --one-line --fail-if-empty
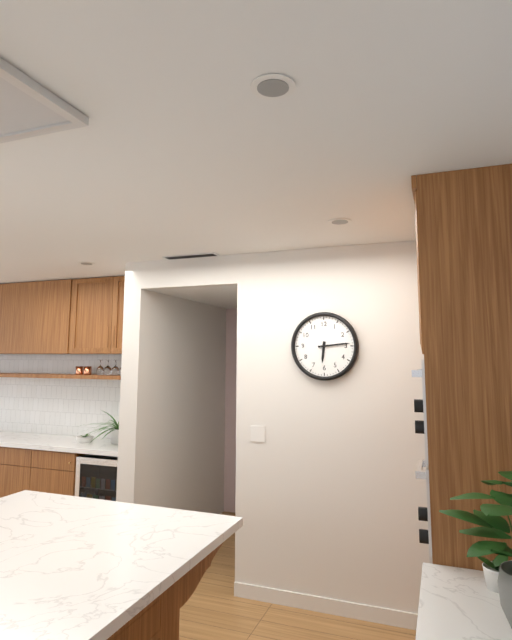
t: 6:14
